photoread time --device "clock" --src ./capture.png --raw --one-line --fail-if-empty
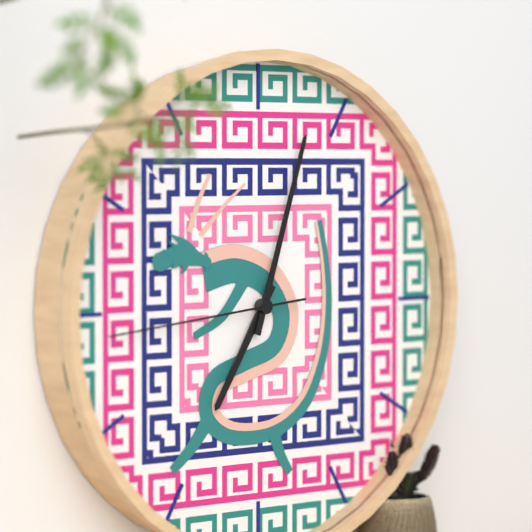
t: 7:03:44
